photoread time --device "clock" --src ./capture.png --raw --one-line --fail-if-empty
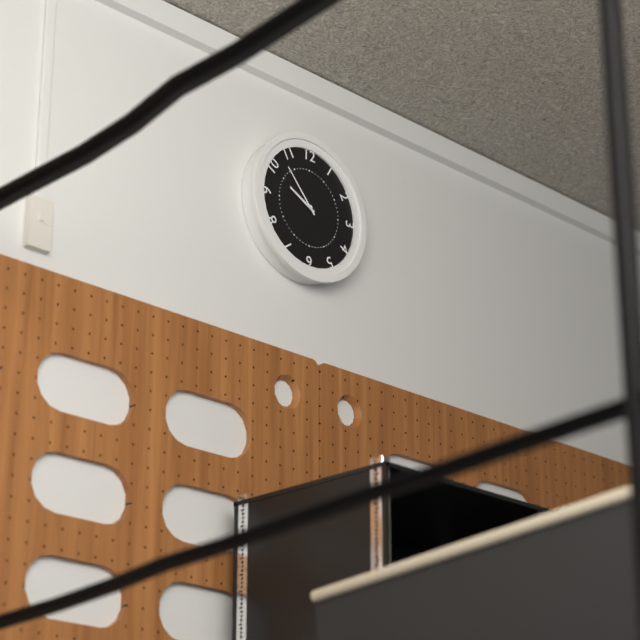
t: 9:53
